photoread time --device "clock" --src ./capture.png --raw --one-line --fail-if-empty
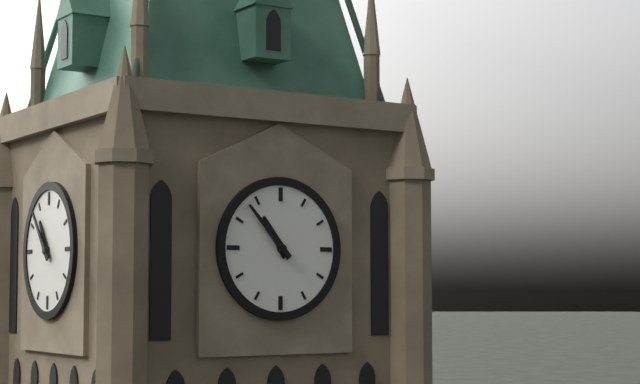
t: 10:53
